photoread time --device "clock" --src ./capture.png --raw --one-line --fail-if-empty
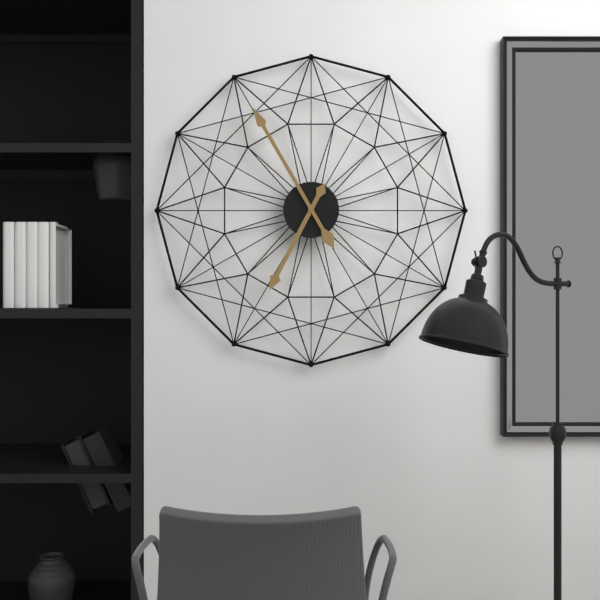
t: 6:55
